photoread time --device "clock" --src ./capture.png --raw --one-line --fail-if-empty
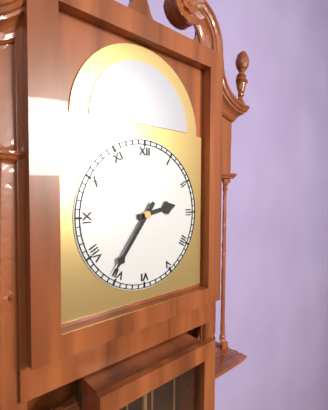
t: 2:36
